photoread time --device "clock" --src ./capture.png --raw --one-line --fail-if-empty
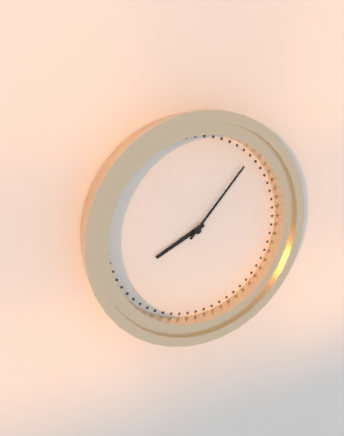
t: 8:07
